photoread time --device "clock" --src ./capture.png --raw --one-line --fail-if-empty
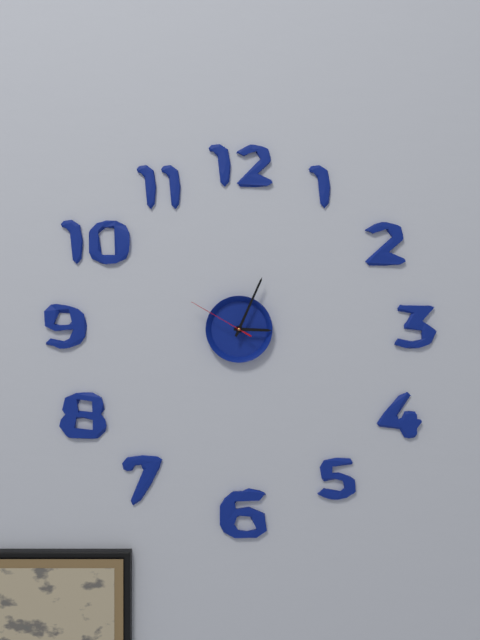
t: 3:04:50
